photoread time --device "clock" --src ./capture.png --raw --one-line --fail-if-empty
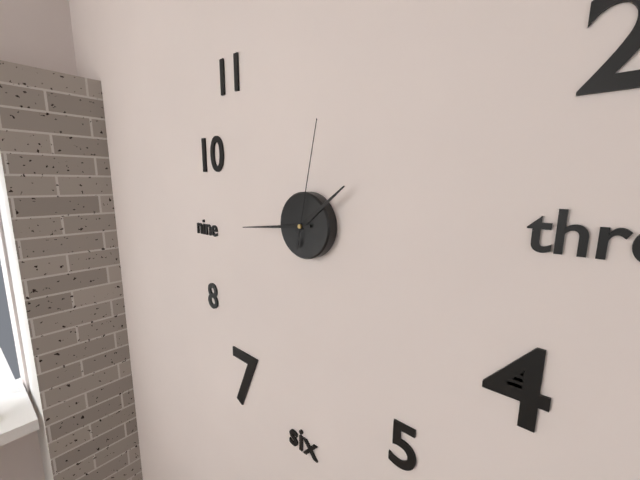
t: 1:44:02
